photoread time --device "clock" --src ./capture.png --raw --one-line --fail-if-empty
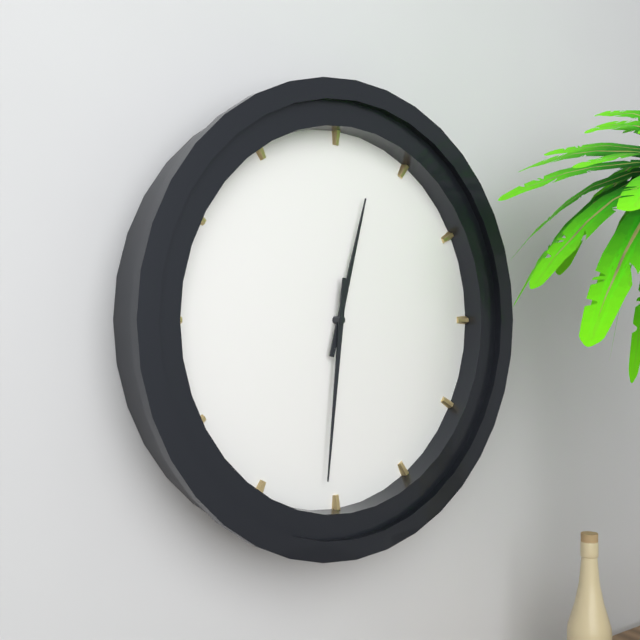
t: 12:31
